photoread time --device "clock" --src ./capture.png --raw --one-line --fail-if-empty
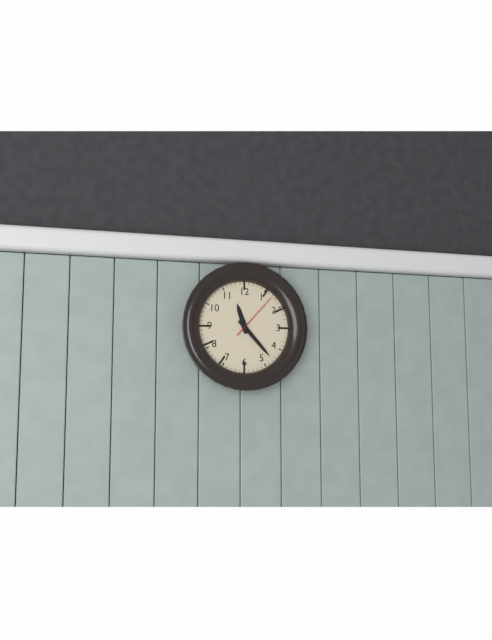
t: 11:23
